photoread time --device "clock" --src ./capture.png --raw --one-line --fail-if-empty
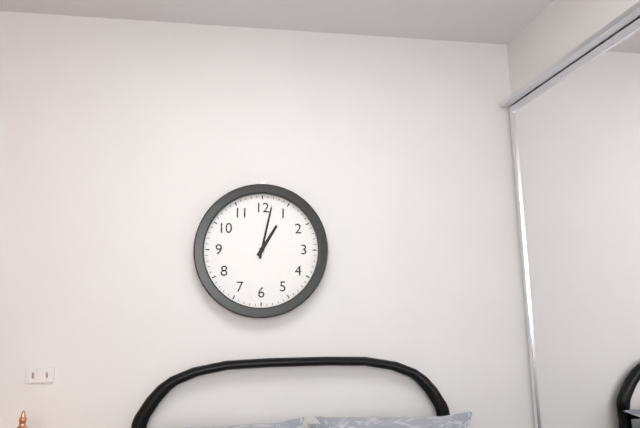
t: 1:02
